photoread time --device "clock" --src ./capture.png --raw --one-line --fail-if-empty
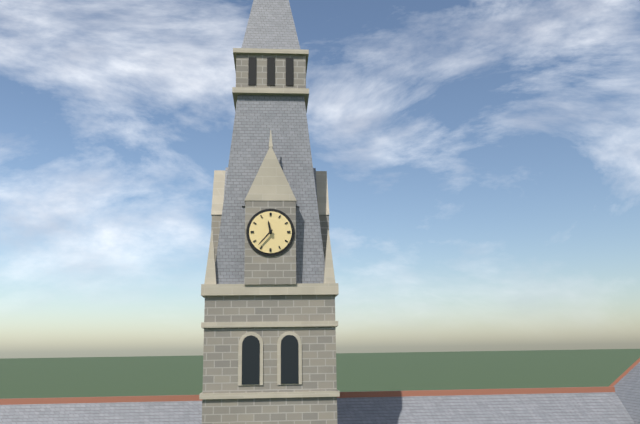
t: 11:37
